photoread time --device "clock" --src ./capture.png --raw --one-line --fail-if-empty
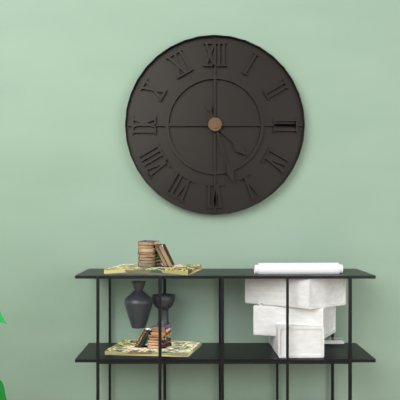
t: 4:27
